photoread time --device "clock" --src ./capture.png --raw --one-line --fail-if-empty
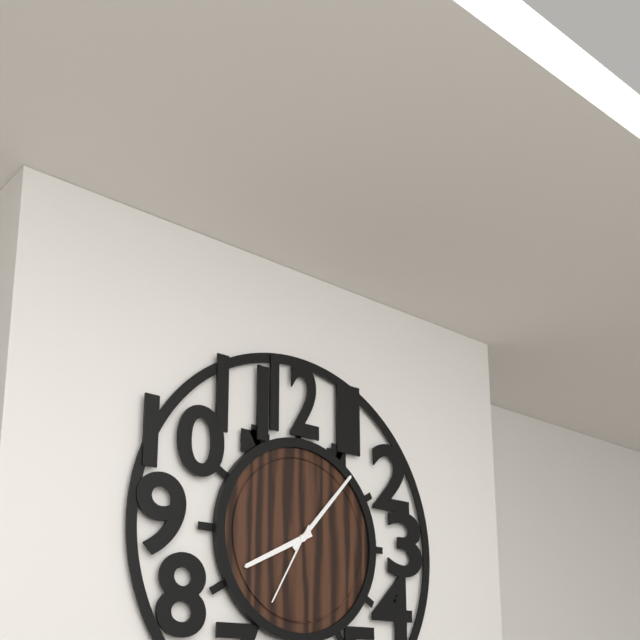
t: 8:07:35
